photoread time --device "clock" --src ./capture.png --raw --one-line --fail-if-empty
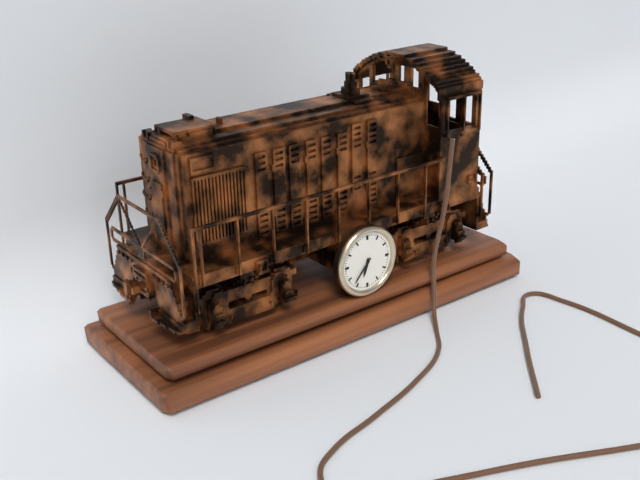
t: 6:37
